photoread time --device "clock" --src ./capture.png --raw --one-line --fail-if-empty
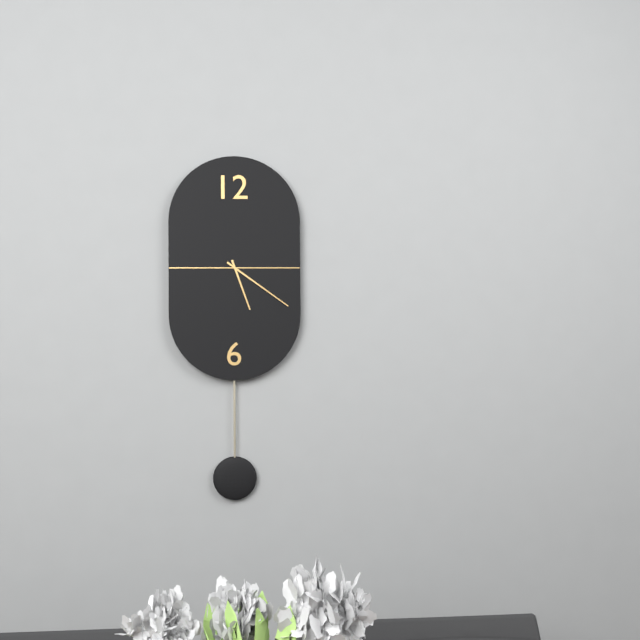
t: 5:21
